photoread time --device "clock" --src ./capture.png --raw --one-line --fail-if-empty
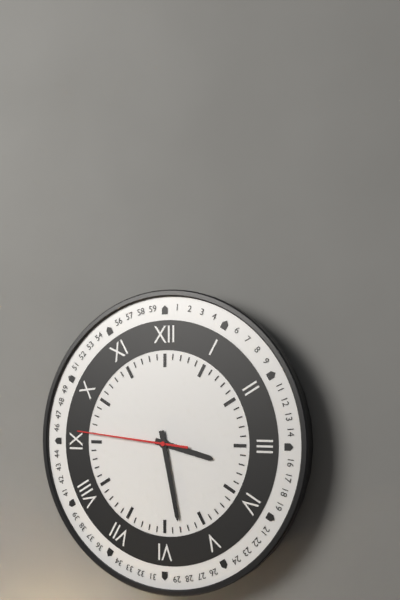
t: 3:28:46
